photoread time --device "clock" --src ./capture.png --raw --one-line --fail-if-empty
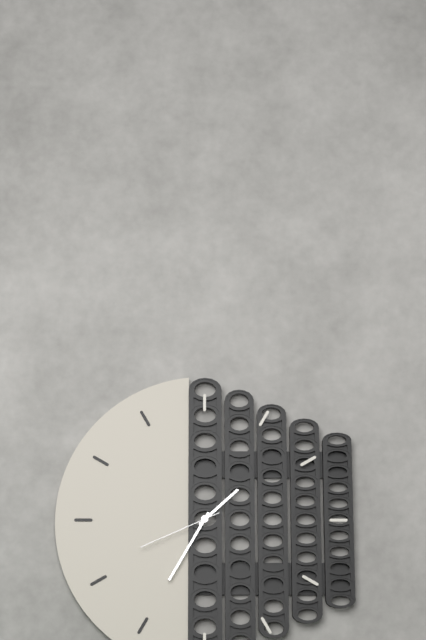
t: 1:35:41
